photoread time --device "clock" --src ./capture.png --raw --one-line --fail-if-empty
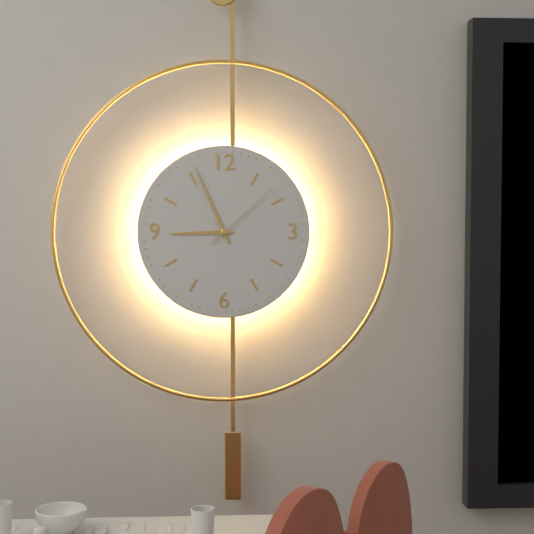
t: 8:56:08
